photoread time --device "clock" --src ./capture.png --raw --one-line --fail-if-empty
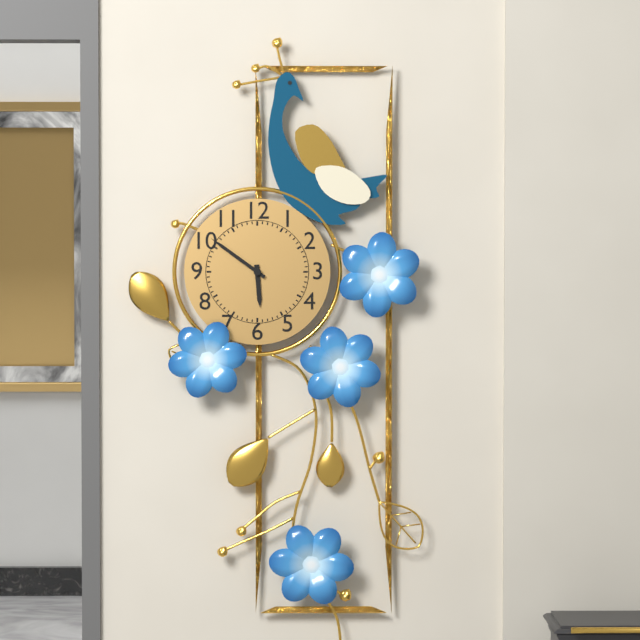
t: 5:51
